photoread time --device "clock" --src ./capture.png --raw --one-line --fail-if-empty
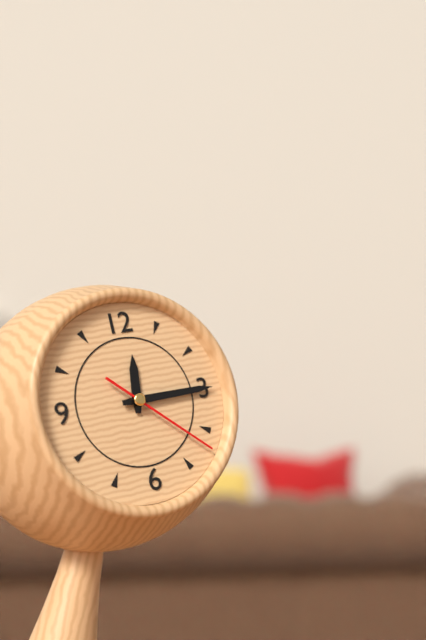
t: 12:15:22
